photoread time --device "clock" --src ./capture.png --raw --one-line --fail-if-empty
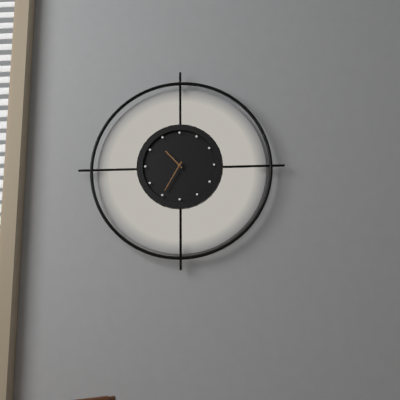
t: 10:35
